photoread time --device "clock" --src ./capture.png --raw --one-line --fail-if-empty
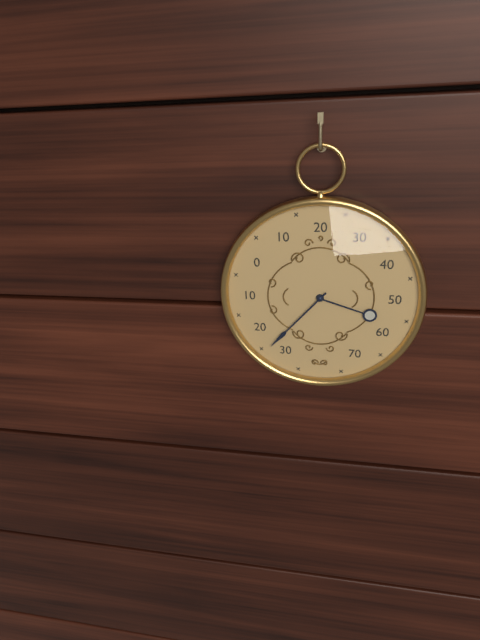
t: 3:37
